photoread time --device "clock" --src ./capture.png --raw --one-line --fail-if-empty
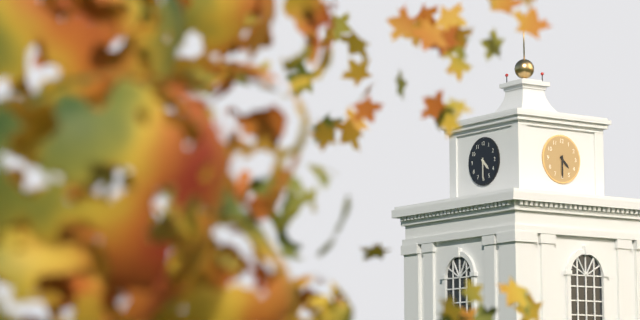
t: 4:30
